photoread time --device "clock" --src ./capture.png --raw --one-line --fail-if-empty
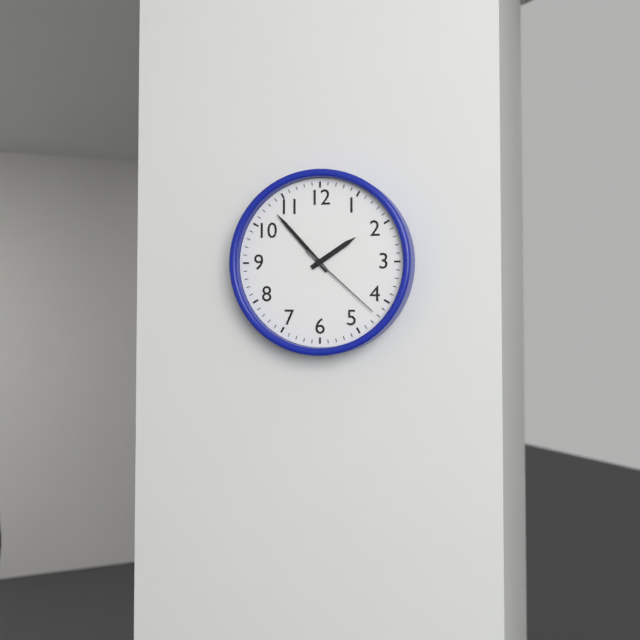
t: 1:53:22
